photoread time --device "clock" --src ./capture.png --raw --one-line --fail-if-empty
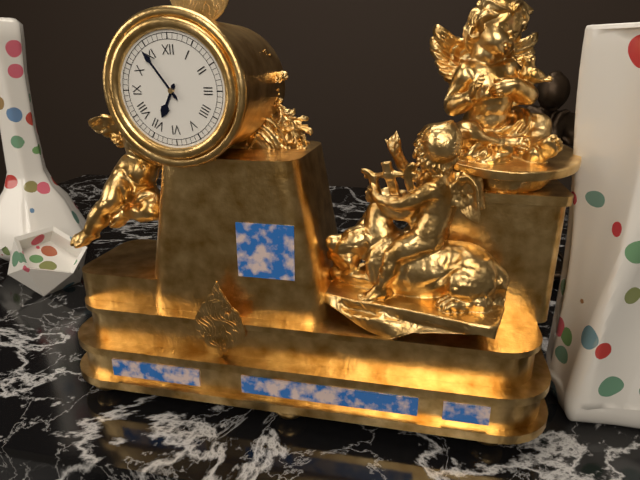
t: 6:54
